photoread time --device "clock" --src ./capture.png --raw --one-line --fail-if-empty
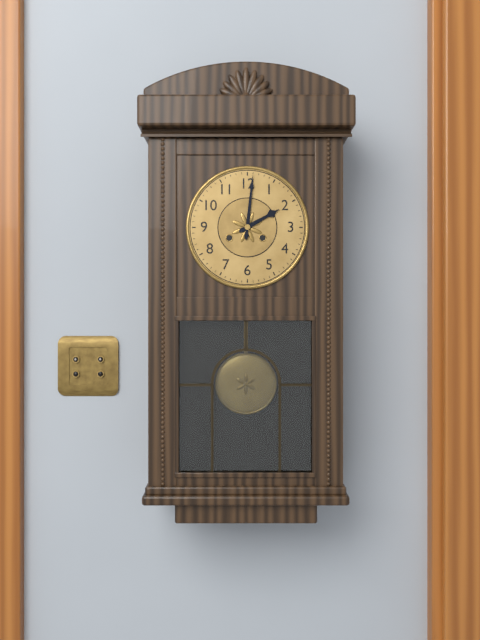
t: 2:01
